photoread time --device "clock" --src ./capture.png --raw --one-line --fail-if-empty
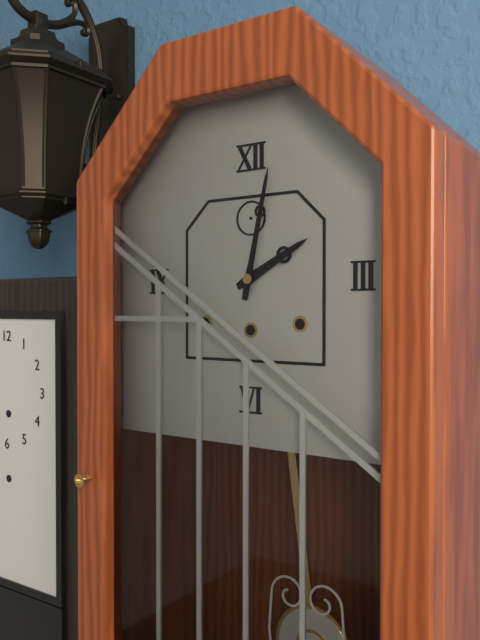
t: 2:02
